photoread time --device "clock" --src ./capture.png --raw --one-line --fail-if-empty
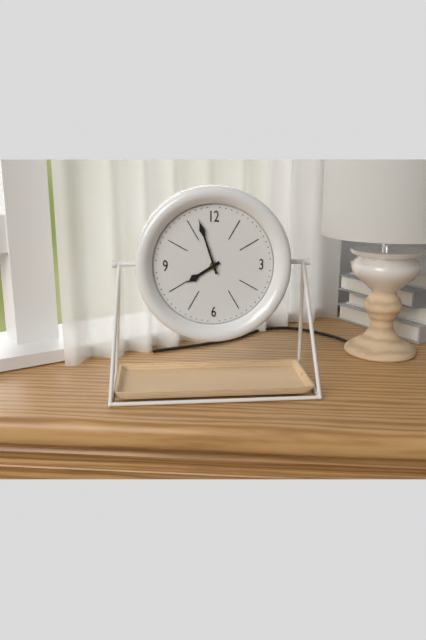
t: 7:57
